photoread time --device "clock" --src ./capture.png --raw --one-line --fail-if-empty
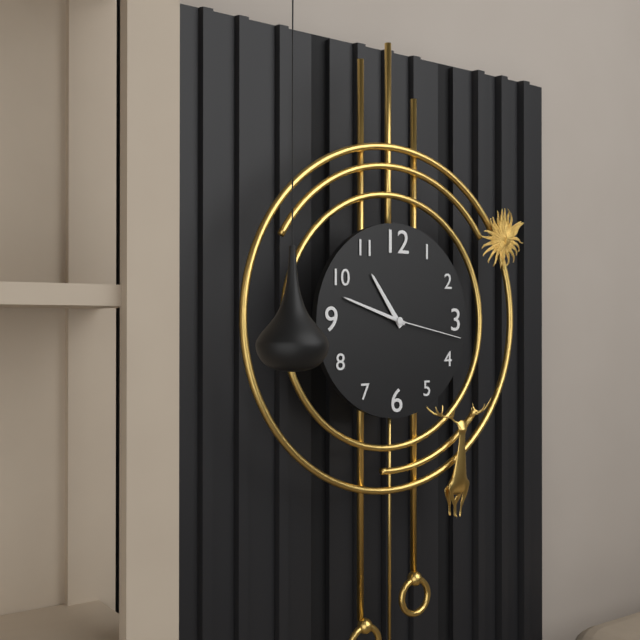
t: 10:48:17
